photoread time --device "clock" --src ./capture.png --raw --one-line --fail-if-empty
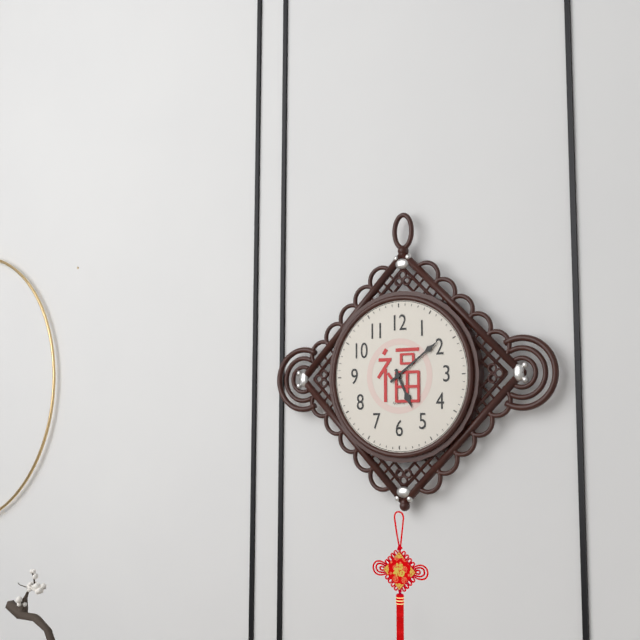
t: 5:09
